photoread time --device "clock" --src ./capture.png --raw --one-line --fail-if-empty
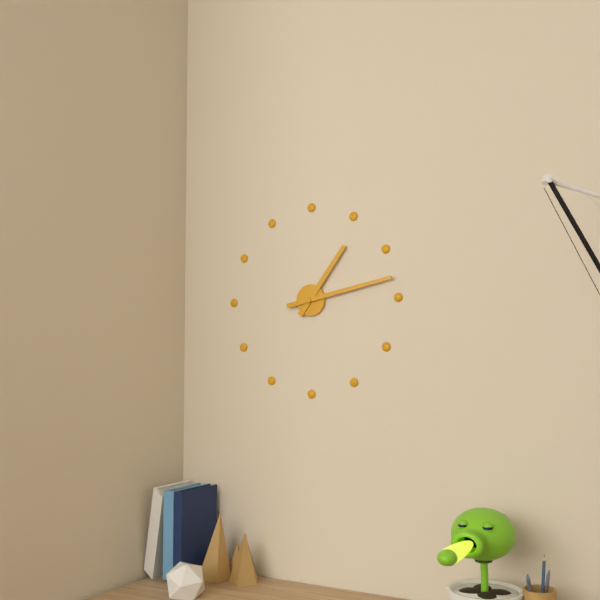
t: 1:13
